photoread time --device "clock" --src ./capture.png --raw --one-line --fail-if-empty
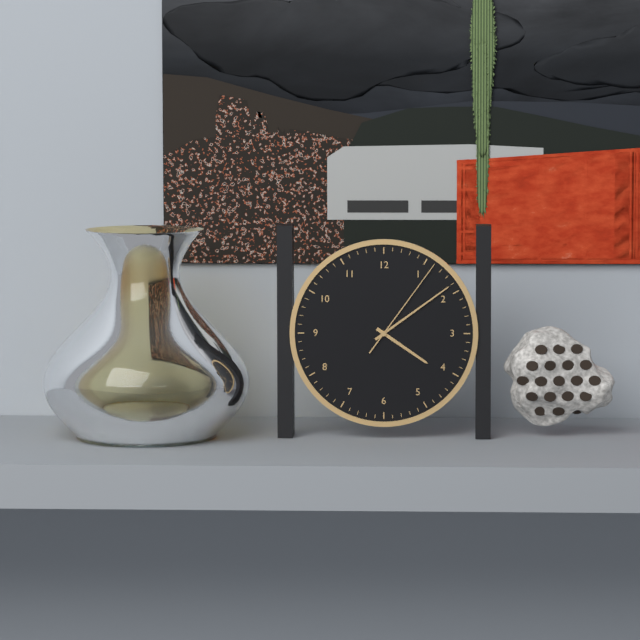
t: 4:09:06
